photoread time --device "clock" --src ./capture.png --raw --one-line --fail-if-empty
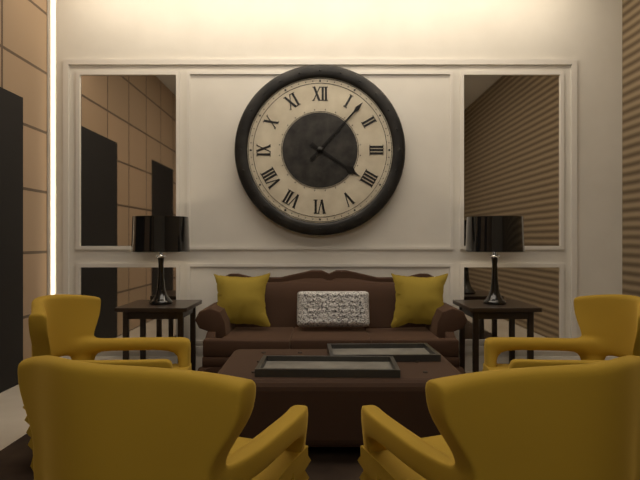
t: 4:07
